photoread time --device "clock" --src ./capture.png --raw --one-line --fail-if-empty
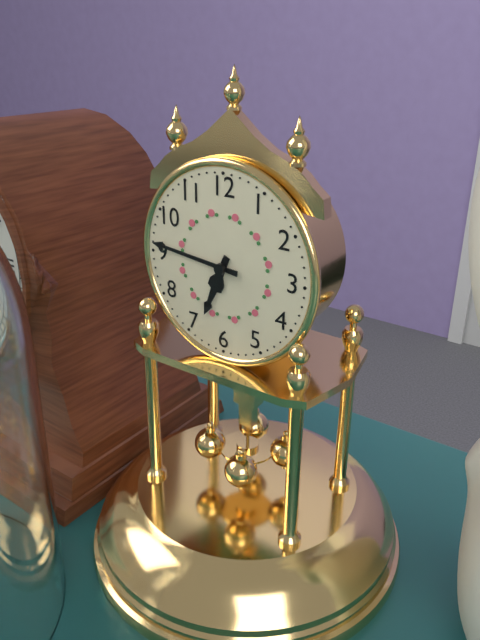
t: 6:46
